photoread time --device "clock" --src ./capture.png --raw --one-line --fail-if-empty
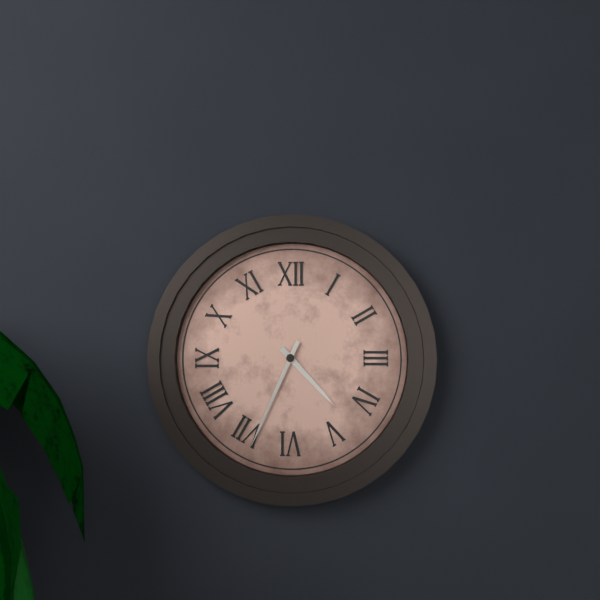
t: 4:34
